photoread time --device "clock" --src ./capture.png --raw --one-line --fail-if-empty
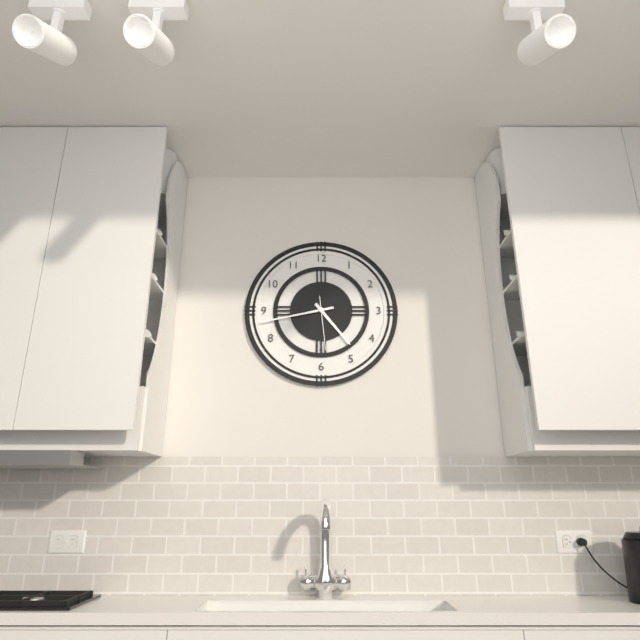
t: 4:43
